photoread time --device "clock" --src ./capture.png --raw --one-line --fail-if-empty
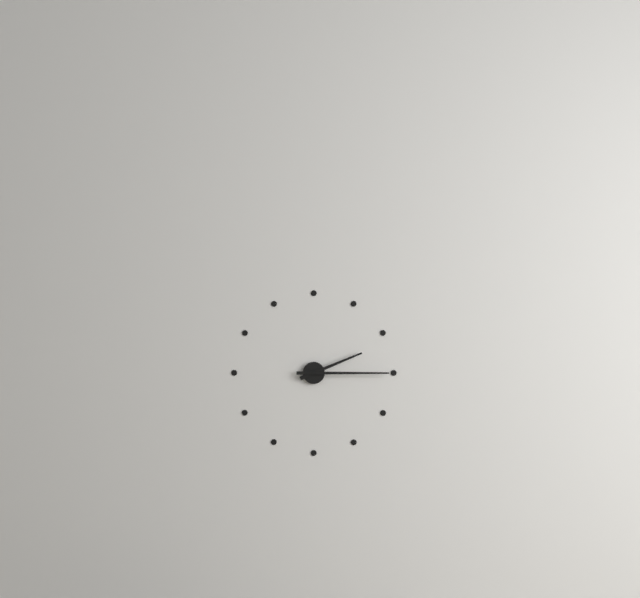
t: 2:15
